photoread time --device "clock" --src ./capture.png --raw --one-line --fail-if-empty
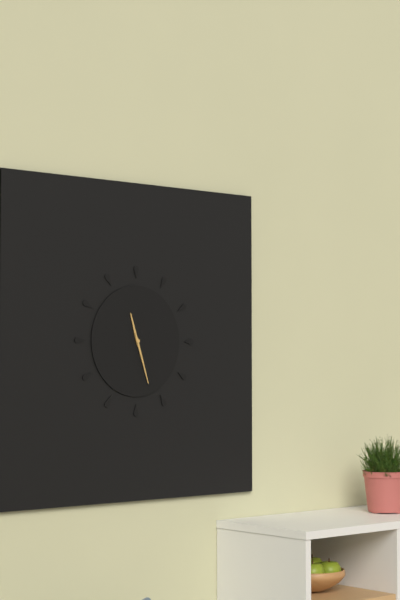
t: 11:27
